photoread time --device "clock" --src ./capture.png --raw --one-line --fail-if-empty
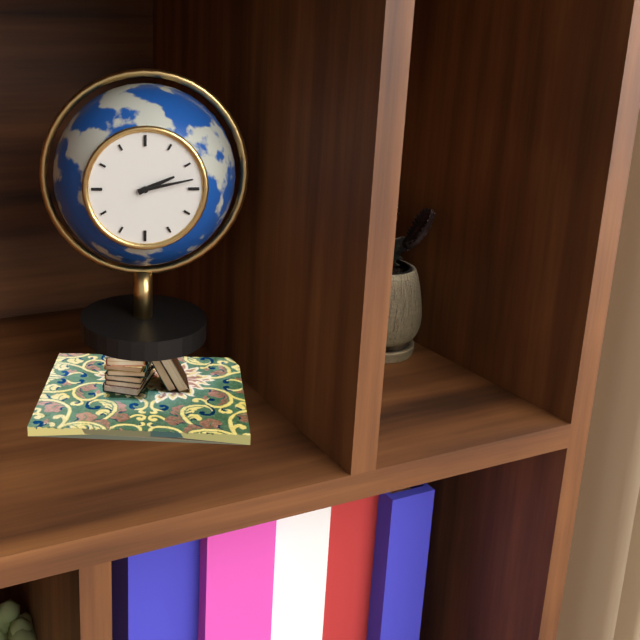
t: 2:13
